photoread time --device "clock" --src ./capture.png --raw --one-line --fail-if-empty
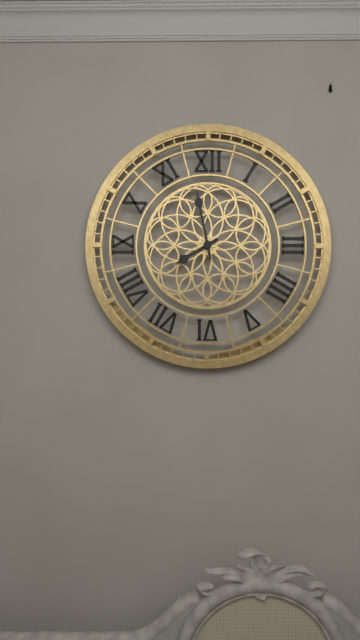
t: 7:58
